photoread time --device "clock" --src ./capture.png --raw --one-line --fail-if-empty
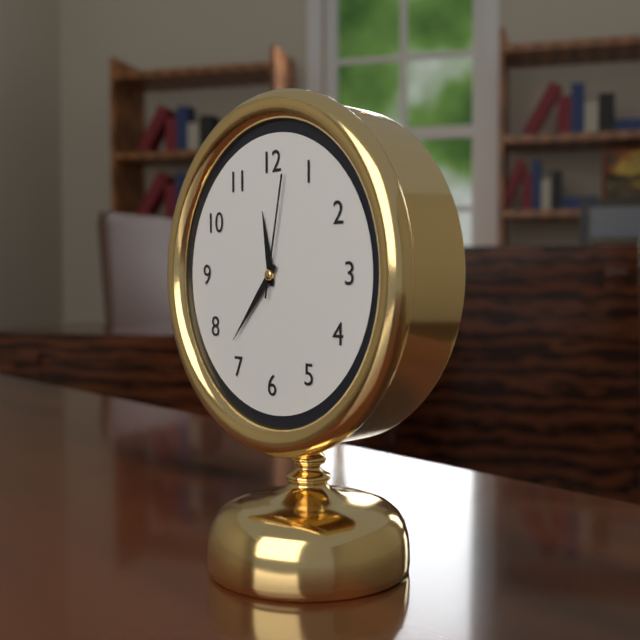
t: 11:37:02
